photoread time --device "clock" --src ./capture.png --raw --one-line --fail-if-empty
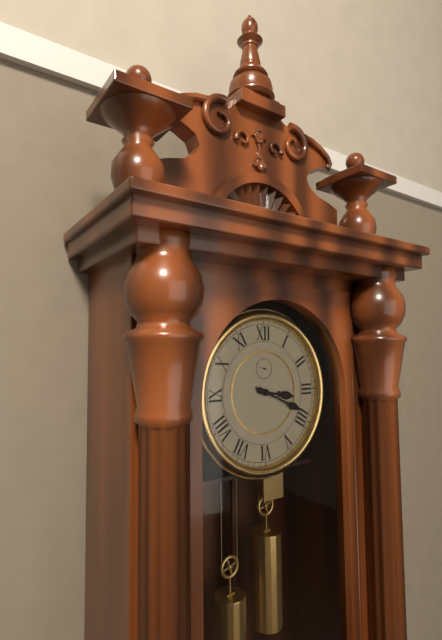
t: 3:19
